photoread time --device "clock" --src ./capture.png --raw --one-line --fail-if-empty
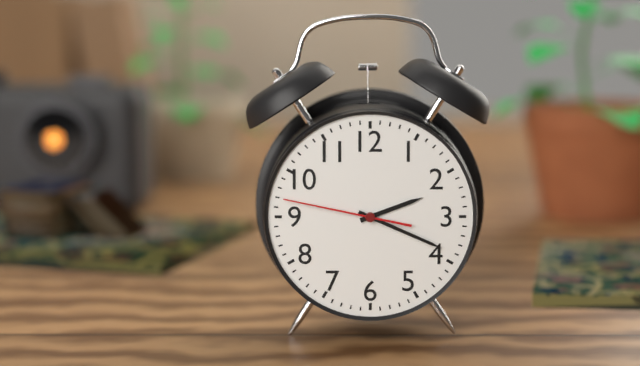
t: 2:19:47
